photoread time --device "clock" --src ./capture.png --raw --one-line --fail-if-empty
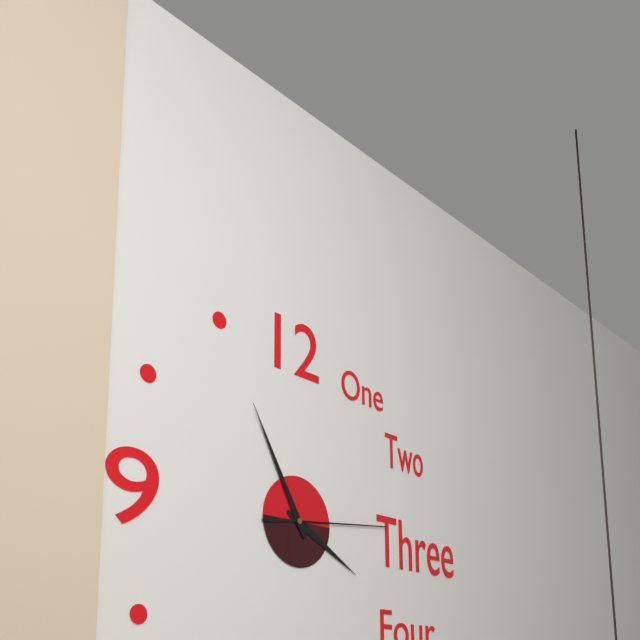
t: 3:55:14
